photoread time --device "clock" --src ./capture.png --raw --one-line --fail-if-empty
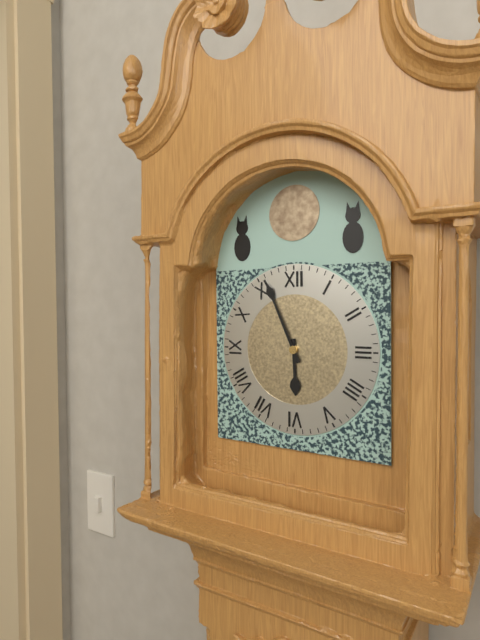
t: 5:56
